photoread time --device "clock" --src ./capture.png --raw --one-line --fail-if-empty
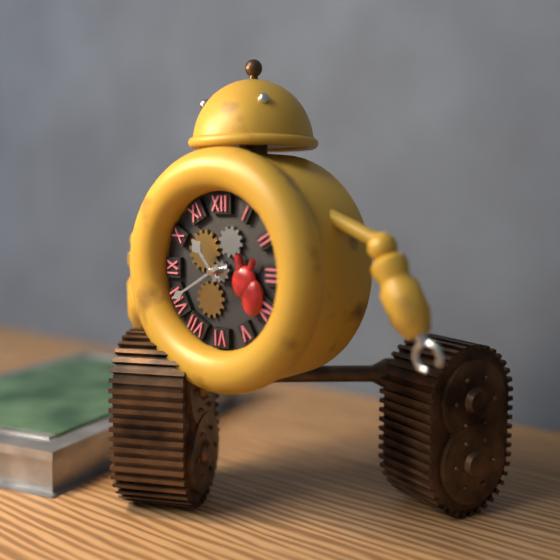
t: 10:40
